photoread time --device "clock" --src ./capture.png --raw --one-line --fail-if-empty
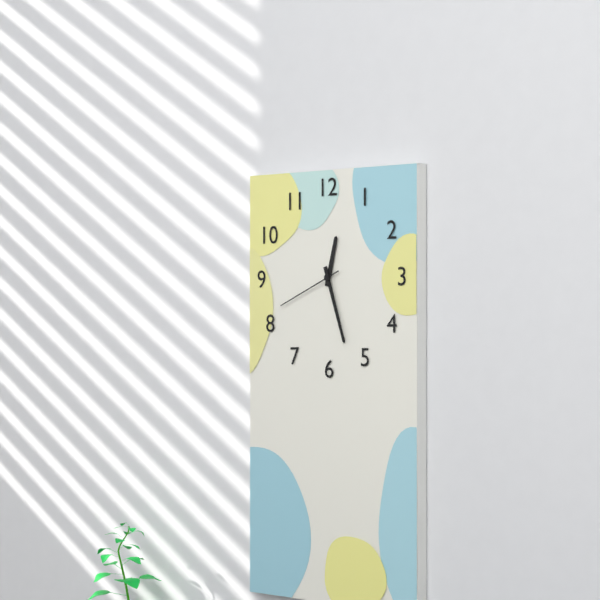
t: 12:27:41
